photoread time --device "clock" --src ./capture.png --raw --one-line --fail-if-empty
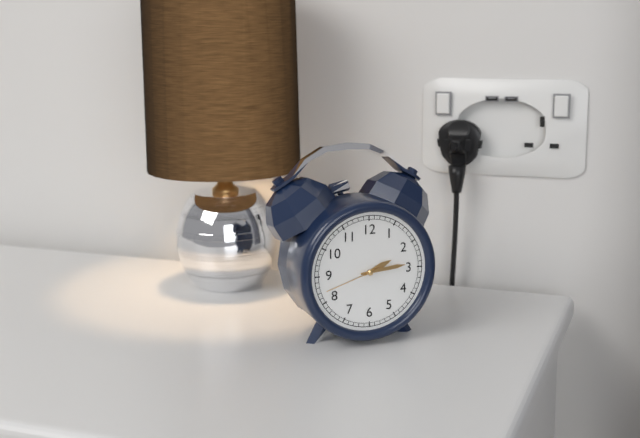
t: 2:14:42
